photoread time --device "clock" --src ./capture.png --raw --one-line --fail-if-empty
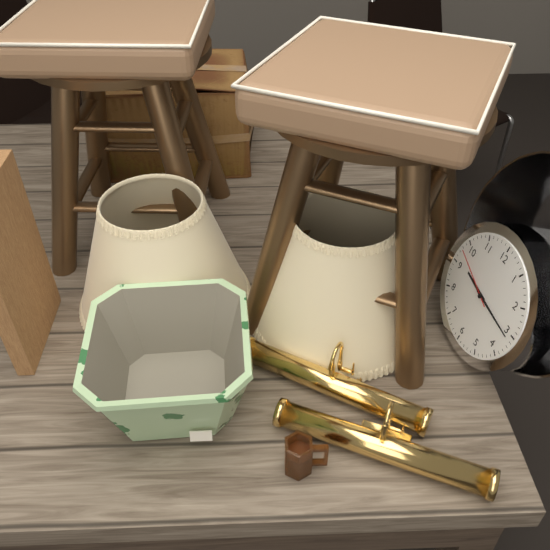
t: 9:16:48
